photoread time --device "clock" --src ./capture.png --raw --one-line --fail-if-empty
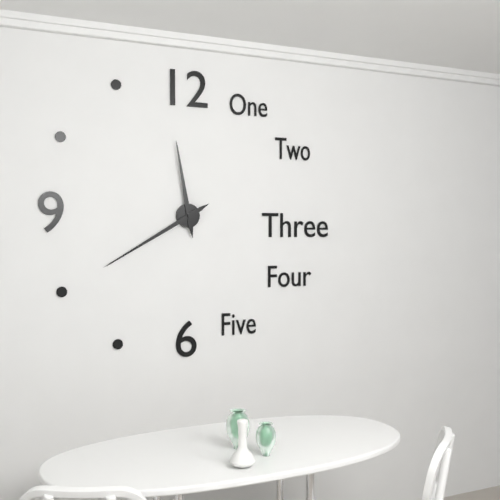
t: 11:40
